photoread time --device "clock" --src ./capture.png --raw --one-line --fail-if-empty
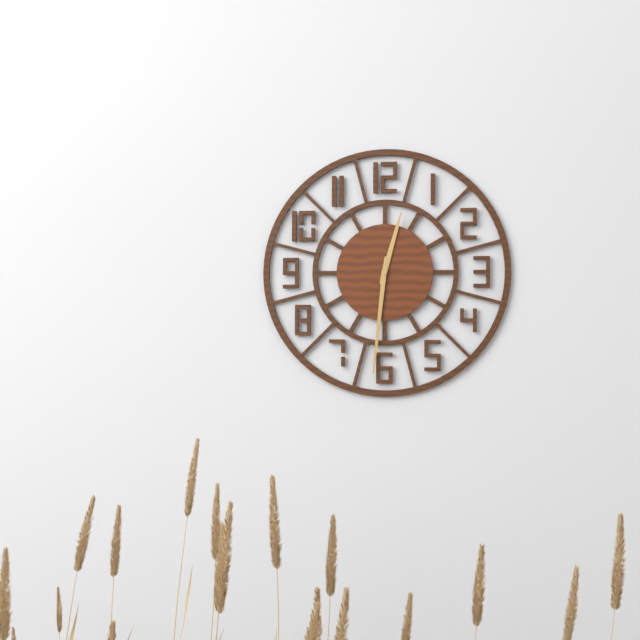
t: 12:31
